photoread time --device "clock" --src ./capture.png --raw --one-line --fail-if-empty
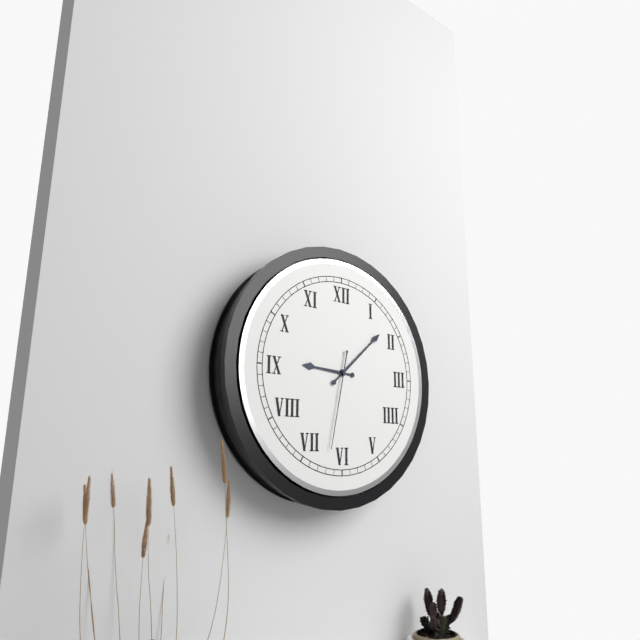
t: 9:08:32
